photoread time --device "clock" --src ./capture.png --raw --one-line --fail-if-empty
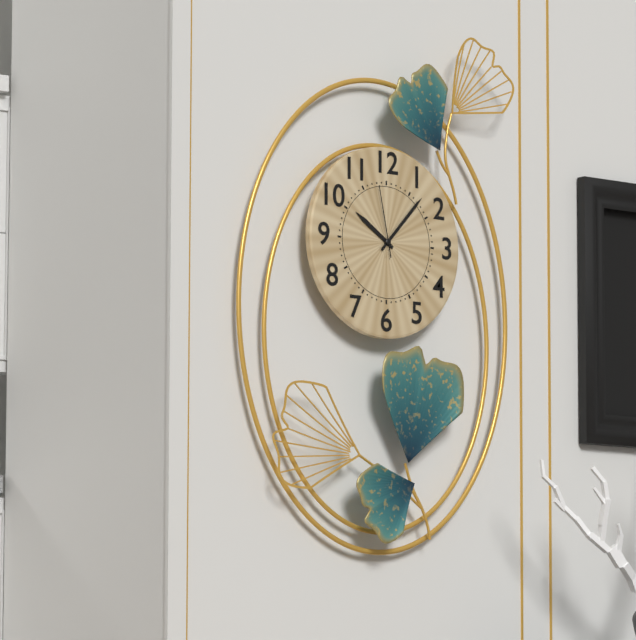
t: 10:07:58
